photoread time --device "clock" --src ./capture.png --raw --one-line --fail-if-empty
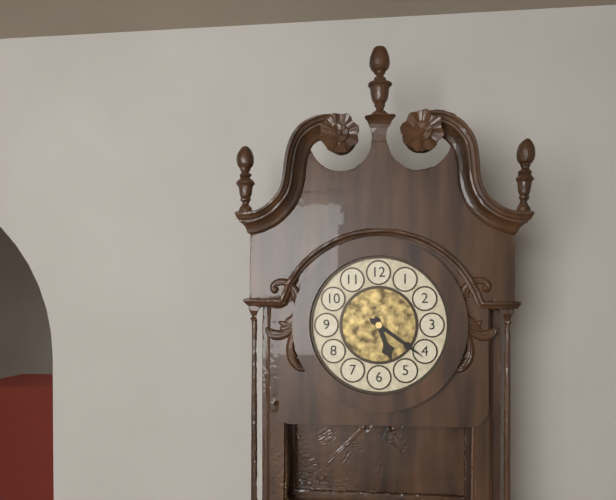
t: 5:21
